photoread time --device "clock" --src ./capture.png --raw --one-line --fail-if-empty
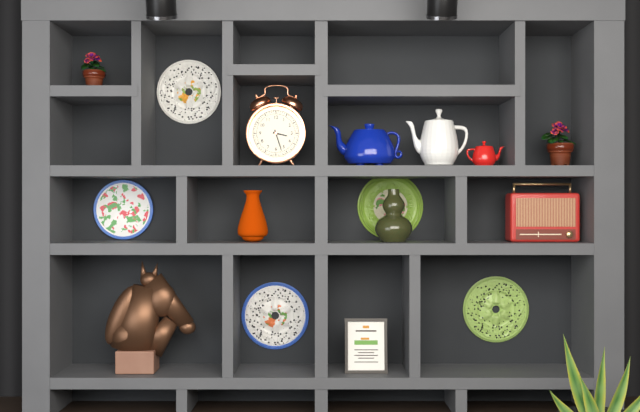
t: 3:27
